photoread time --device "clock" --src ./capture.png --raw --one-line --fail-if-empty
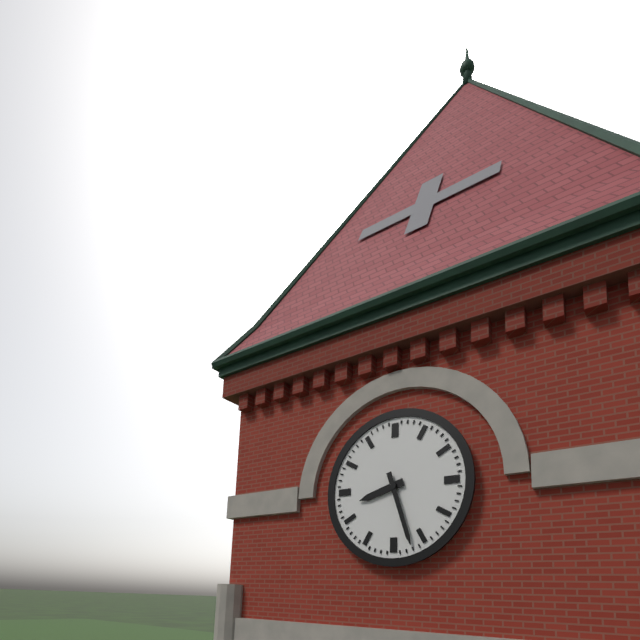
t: 8:27
